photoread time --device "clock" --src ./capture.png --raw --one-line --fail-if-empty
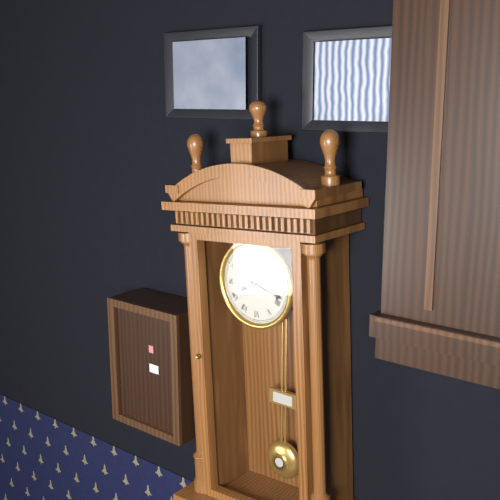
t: 8:18
